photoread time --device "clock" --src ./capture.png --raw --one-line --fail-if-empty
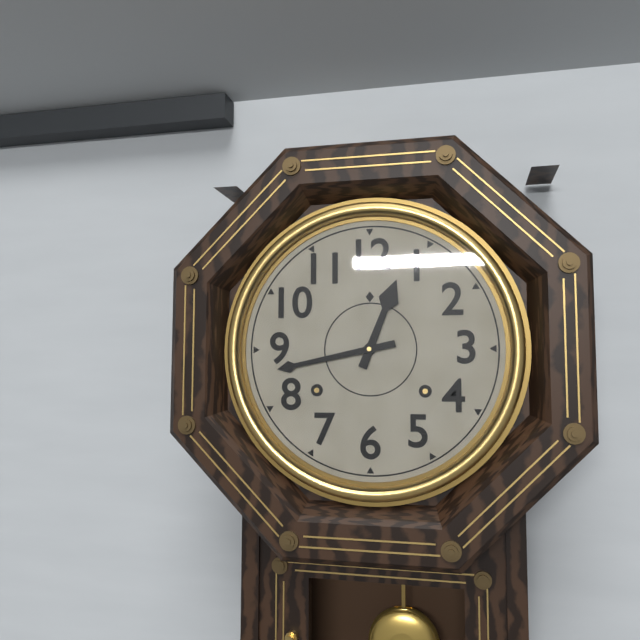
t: 12:43
